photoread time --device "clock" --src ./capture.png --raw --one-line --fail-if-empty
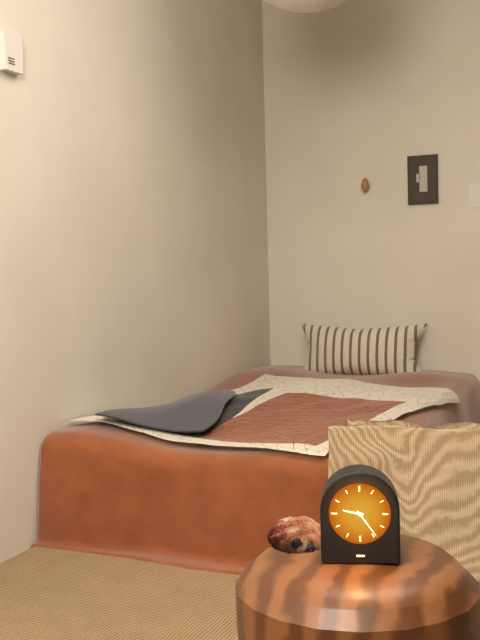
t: 9:24
